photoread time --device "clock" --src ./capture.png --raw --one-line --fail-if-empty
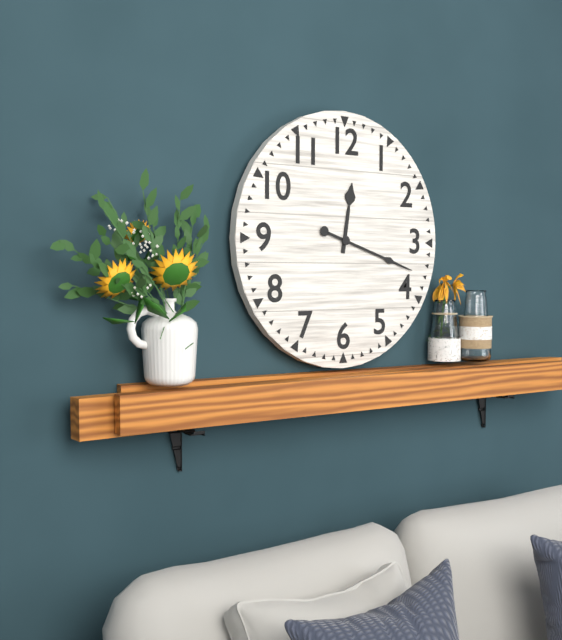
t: 12:18
